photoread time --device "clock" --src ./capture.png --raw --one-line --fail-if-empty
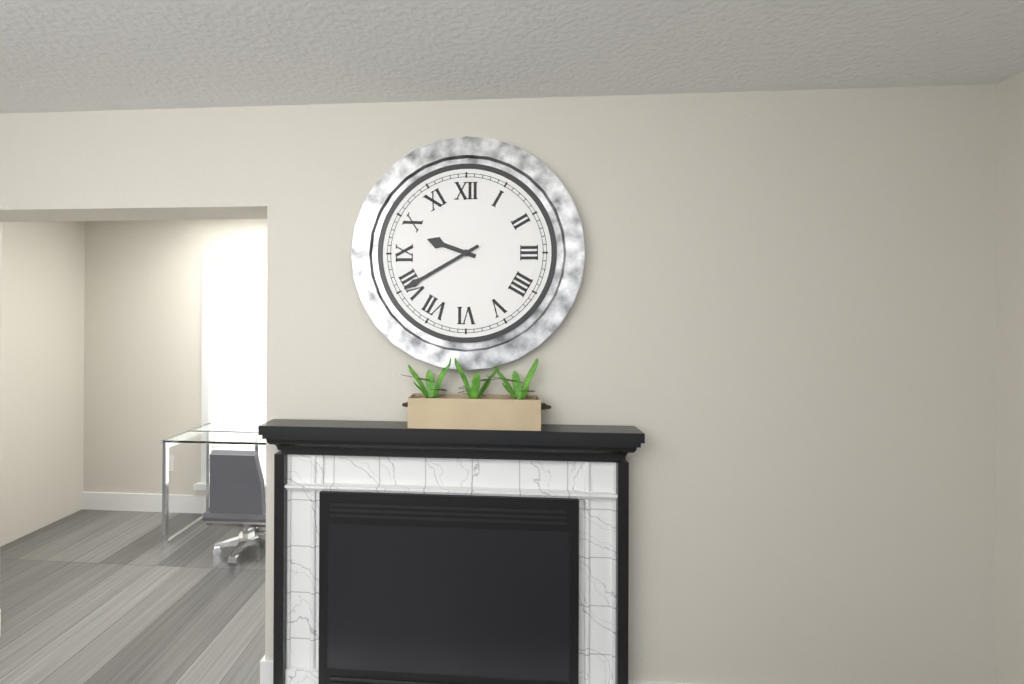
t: 9:40
